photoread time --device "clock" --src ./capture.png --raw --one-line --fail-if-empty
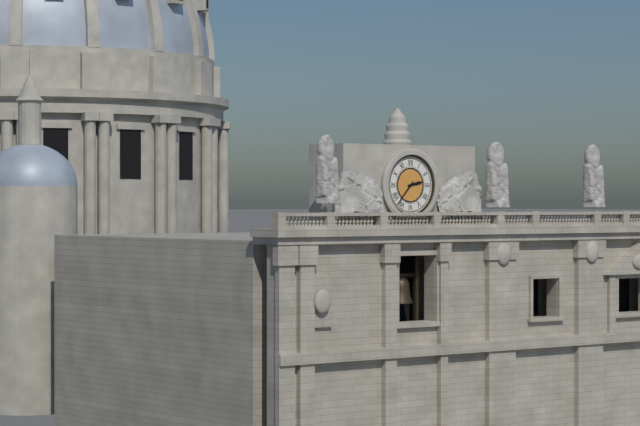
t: 2:37
